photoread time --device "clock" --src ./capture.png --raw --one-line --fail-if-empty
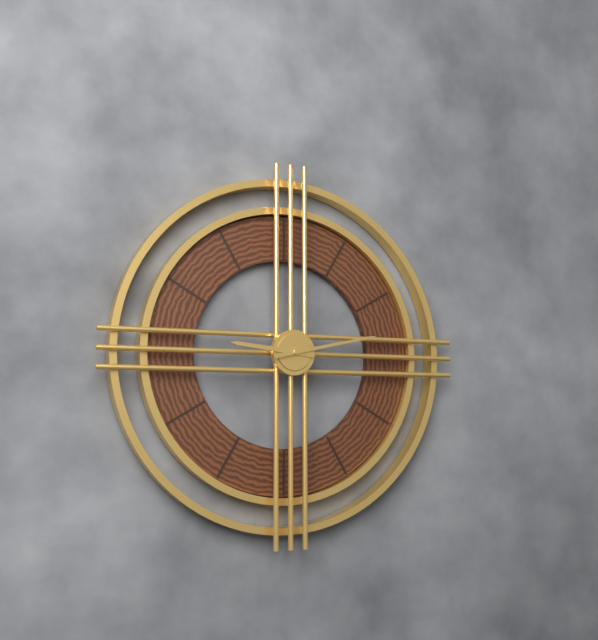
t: 9:13
